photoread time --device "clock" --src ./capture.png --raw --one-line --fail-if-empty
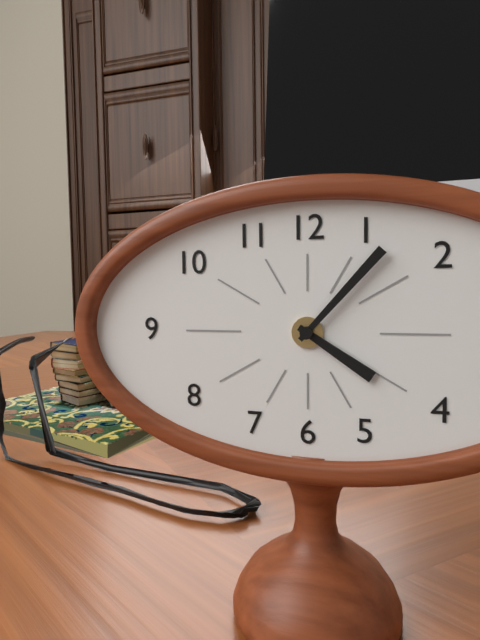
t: 4:07
